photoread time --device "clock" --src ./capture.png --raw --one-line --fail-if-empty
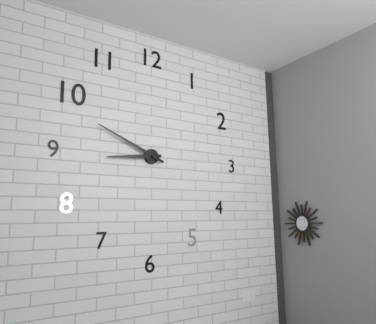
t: 8:49
